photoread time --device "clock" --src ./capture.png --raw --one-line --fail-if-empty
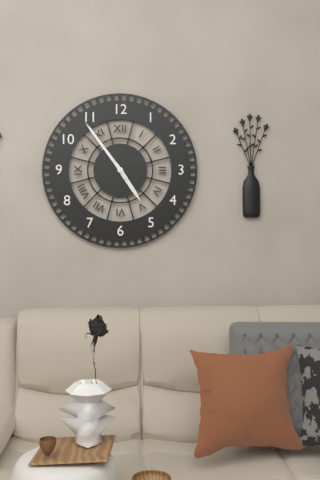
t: 4:54
